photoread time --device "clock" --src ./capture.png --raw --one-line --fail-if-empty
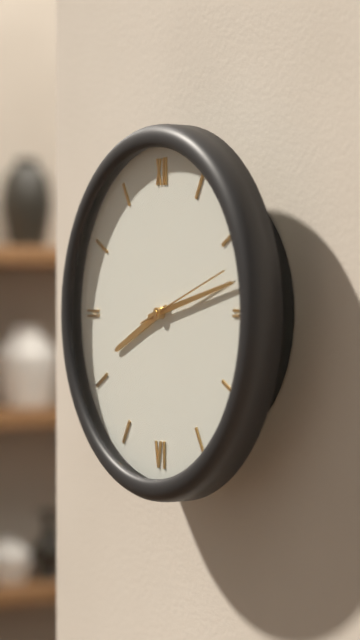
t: 8:13:12
